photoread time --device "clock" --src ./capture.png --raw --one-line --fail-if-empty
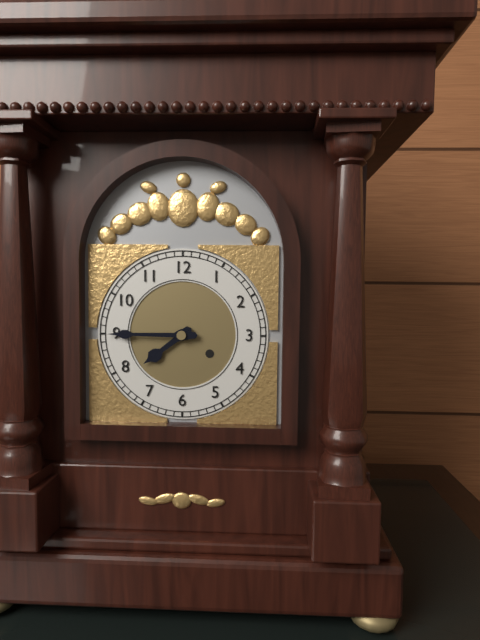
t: 7:45
